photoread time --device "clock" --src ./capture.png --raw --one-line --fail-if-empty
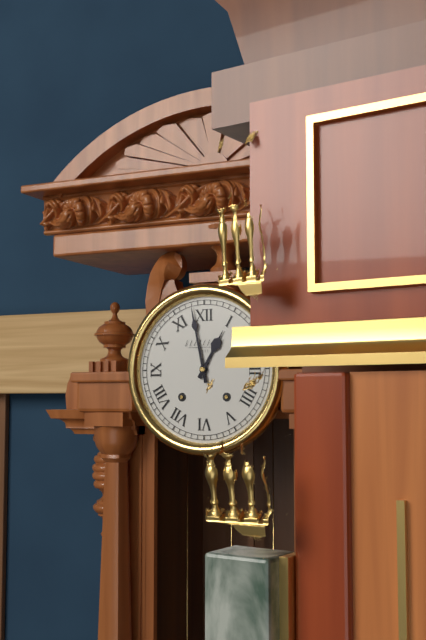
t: 12:58
